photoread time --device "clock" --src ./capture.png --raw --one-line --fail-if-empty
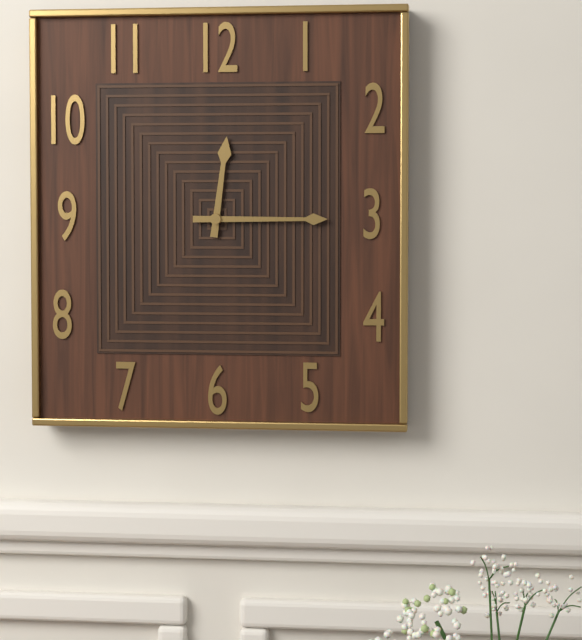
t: 12:15
